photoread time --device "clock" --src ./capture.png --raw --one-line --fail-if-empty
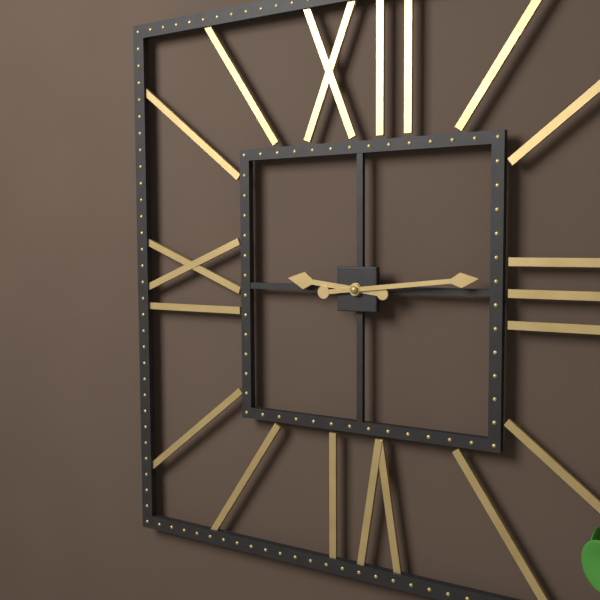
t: 9:14
